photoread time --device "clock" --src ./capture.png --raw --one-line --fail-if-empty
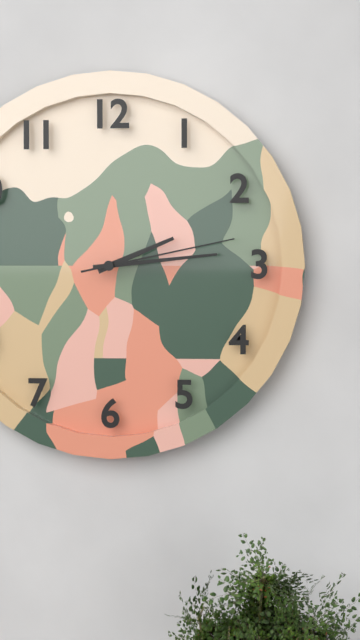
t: 2:14:13
